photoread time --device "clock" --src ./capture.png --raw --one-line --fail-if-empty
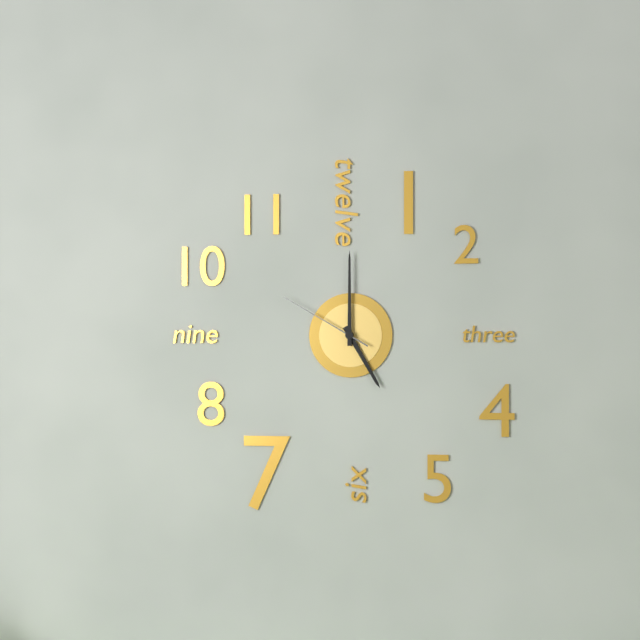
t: 5:00:50
